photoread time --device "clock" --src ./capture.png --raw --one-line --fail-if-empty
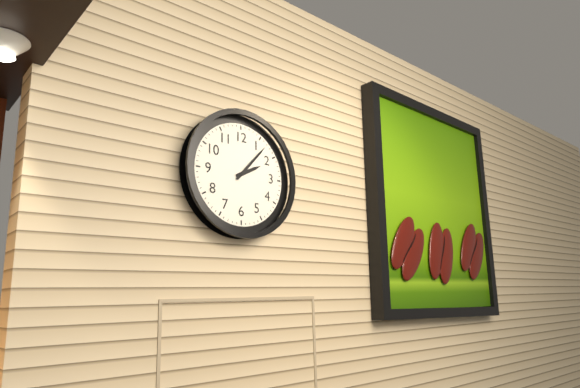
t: 2:07
